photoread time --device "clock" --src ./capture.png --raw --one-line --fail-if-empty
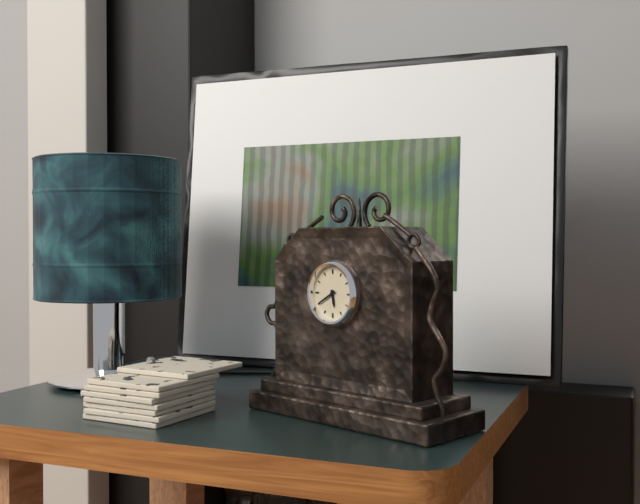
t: 5:40
